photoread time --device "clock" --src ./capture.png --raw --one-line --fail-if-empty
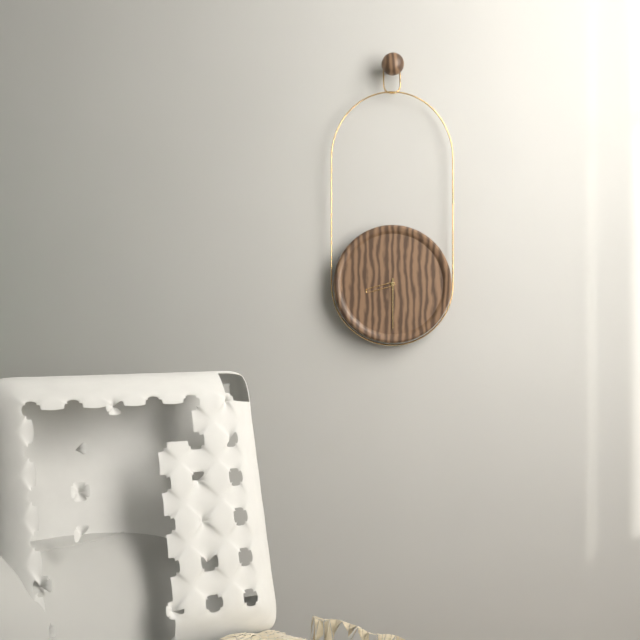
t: 8:30
